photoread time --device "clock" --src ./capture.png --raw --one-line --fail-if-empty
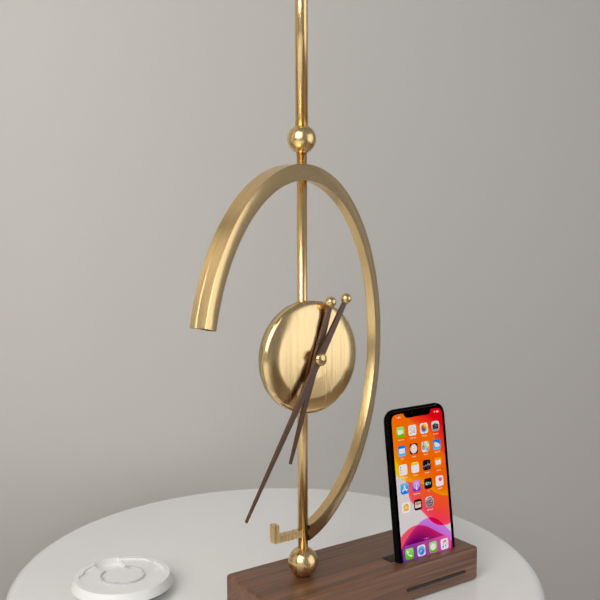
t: 6:35
